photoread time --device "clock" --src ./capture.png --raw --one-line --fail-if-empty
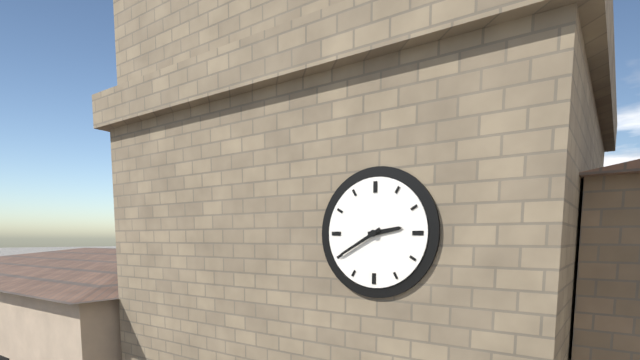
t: 2:40
